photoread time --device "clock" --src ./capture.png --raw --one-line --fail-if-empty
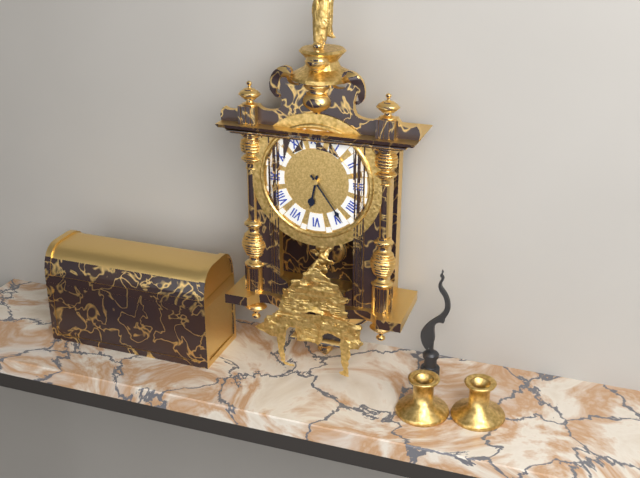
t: 6:24
